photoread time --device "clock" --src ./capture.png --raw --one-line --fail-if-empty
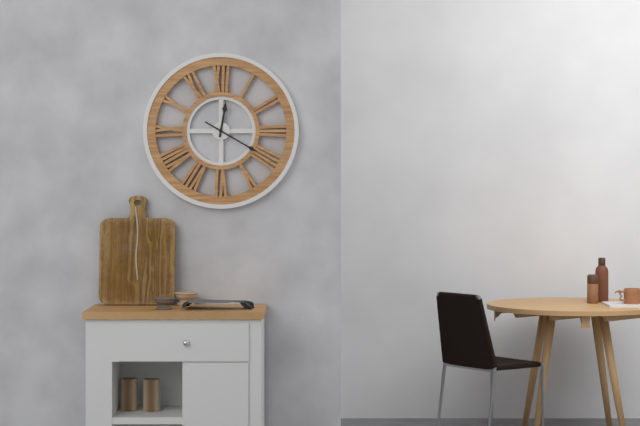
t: 12:20
